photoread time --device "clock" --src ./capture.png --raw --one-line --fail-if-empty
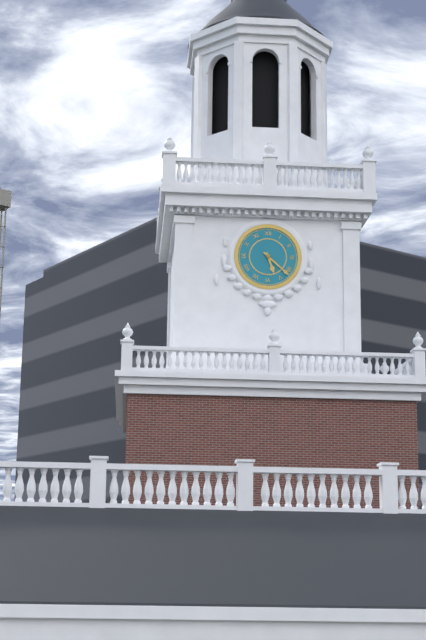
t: 5:22
